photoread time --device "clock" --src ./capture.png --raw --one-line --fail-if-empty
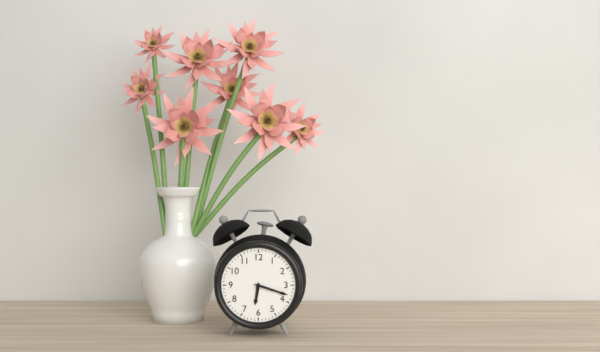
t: 6:18
